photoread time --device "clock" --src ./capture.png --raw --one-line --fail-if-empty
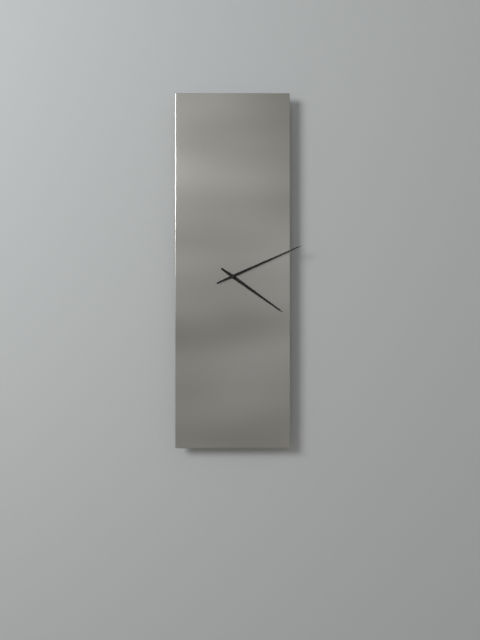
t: 4:11
